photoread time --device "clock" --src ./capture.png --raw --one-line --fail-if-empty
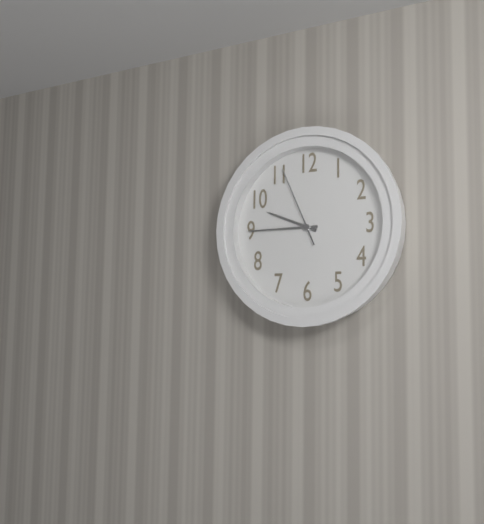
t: 9:45:56
